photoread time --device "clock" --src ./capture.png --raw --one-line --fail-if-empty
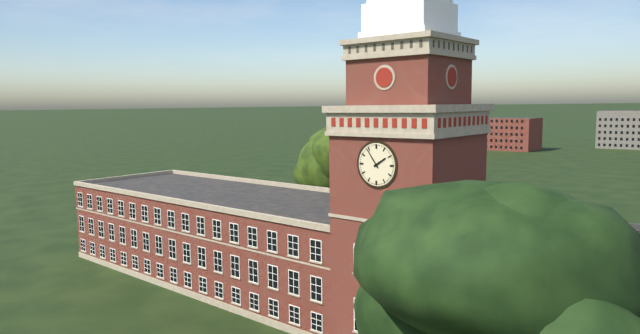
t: 1:54
